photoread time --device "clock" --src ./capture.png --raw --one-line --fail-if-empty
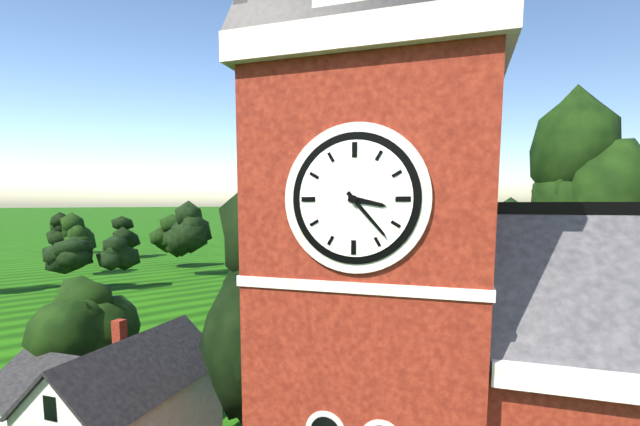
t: 3:23
